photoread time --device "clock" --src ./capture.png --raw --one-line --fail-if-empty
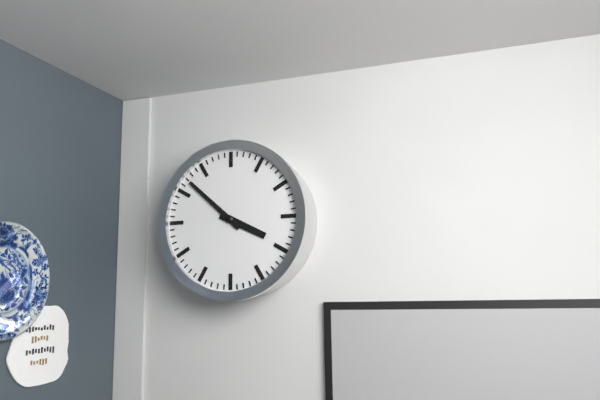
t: 3:52
